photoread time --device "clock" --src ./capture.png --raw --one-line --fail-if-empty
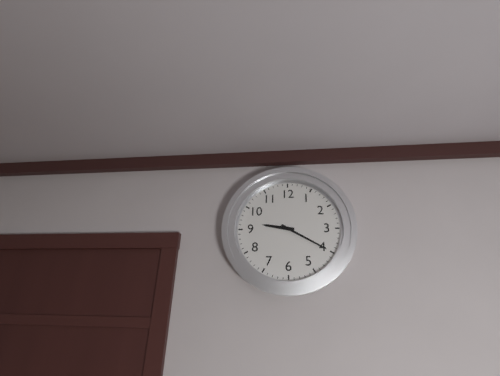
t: 9:20
